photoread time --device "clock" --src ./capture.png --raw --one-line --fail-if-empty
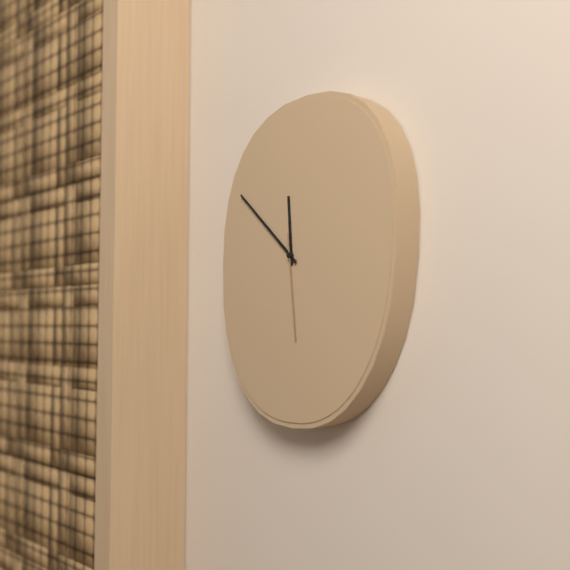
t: 11:52:29
